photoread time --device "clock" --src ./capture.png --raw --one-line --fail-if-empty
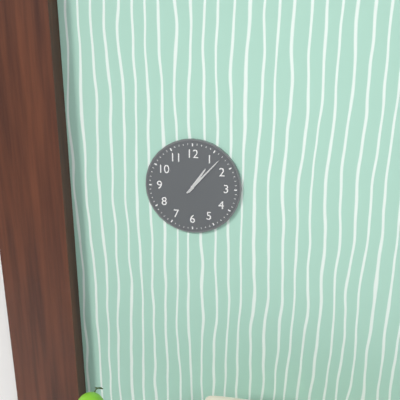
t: 1:07
